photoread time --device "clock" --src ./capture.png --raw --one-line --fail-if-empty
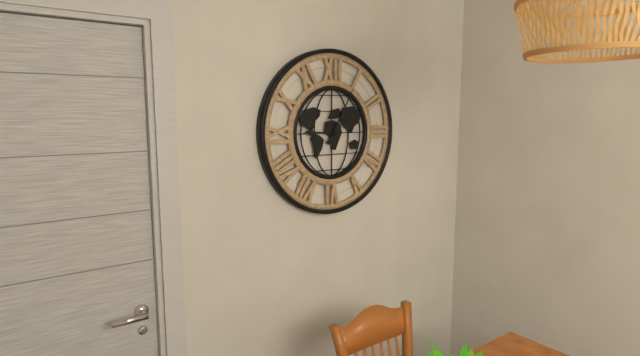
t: 9:05
